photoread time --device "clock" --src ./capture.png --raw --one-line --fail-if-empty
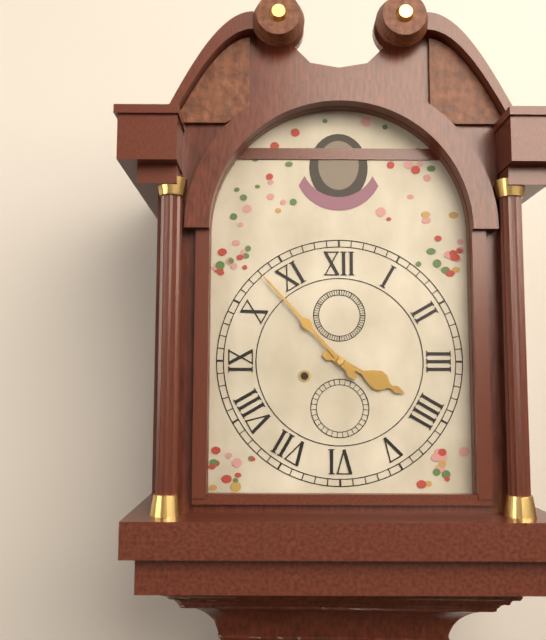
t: 3:53
